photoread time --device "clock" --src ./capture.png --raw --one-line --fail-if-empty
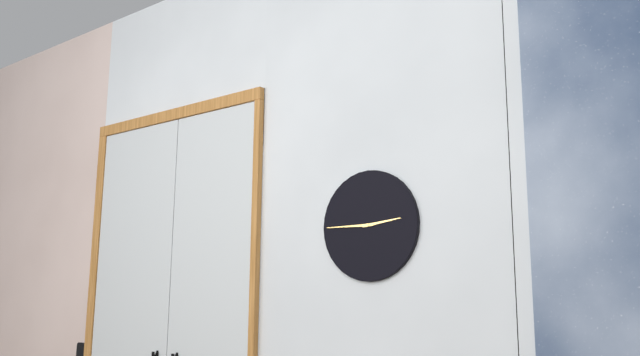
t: 2:45
